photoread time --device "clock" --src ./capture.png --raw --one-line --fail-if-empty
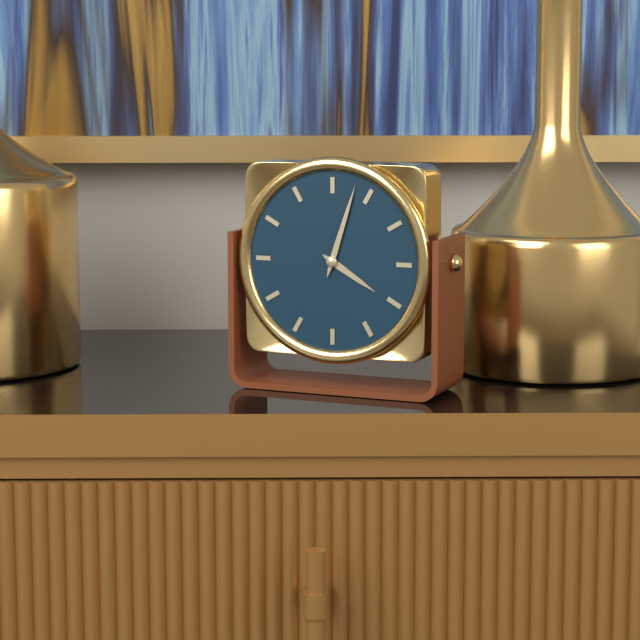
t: 4:03
